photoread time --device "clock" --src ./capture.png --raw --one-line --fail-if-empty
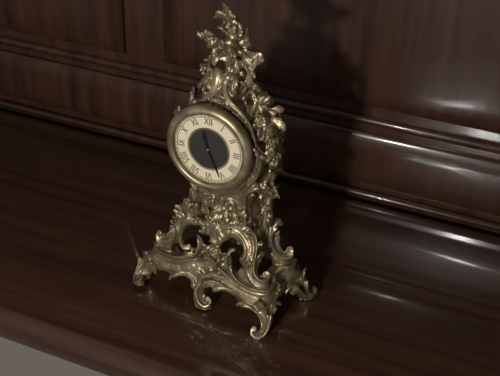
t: 11:26
